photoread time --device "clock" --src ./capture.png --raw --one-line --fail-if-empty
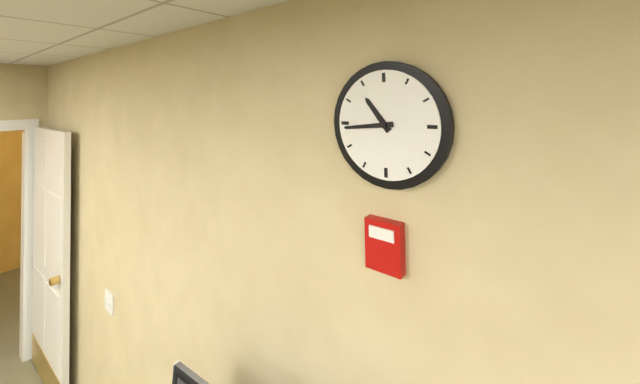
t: 10:44
